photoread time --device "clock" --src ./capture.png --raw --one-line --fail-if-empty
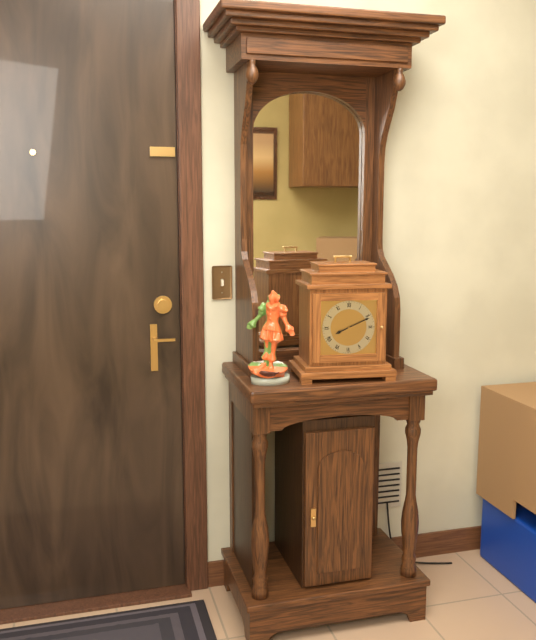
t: 8:11
